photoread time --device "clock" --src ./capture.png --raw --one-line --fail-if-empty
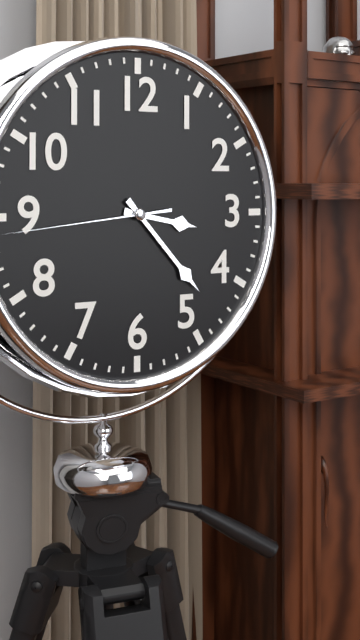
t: 3:23:44
